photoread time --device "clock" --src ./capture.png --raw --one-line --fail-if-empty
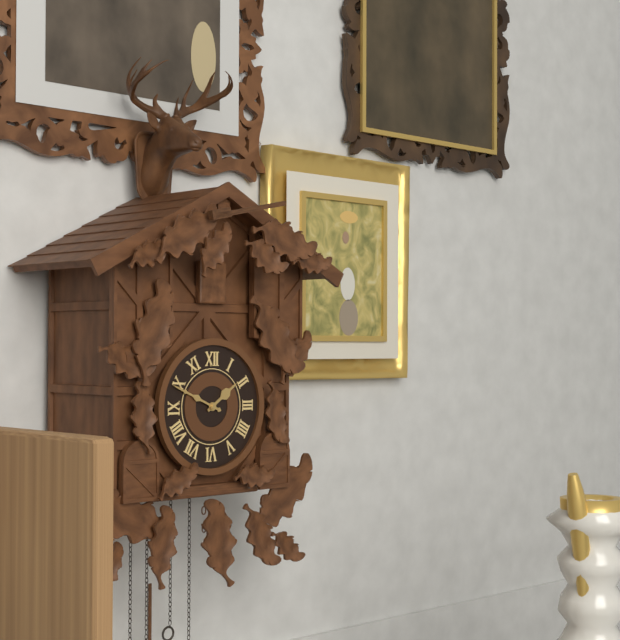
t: 1:49
